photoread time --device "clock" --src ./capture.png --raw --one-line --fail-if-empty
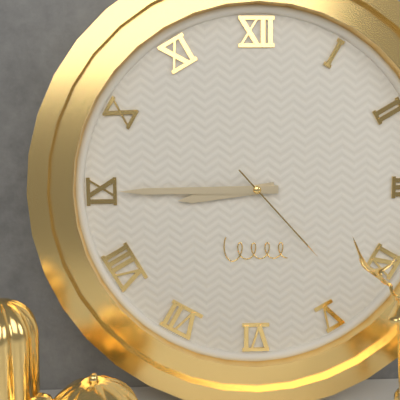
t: 8:45:23
